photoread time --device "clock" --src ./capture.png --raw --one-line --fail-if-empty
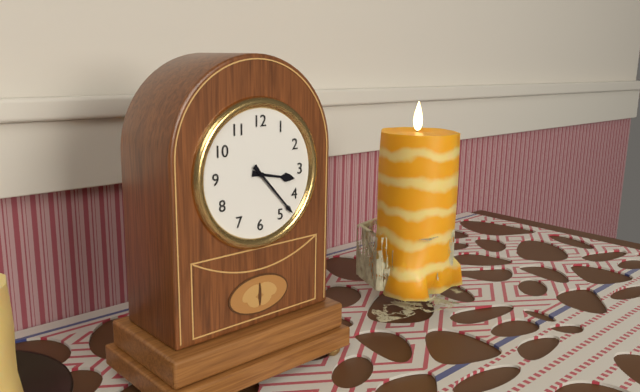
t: 3:23
